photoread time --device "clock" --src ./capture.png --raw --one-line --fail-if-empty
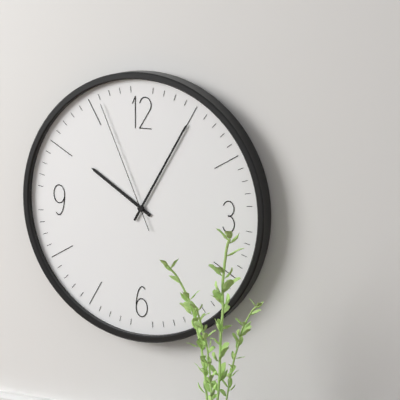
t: 10:05:56
